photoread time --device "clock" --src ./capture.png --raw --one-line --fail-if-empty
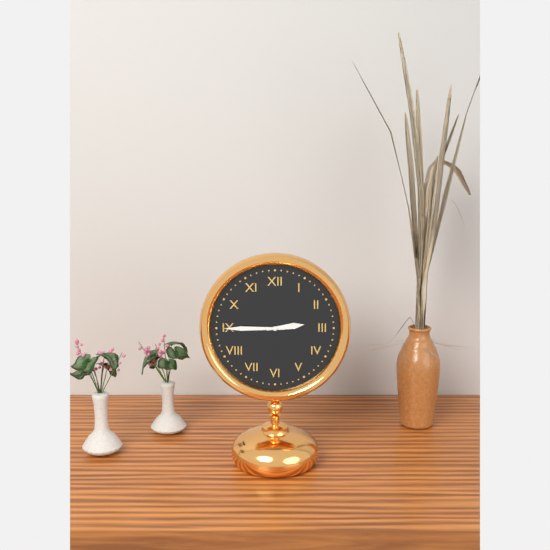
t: 2:45
